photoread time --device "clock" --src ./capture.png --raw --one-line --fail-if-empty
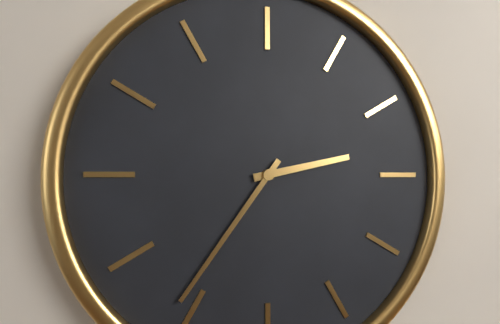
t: 2:36
